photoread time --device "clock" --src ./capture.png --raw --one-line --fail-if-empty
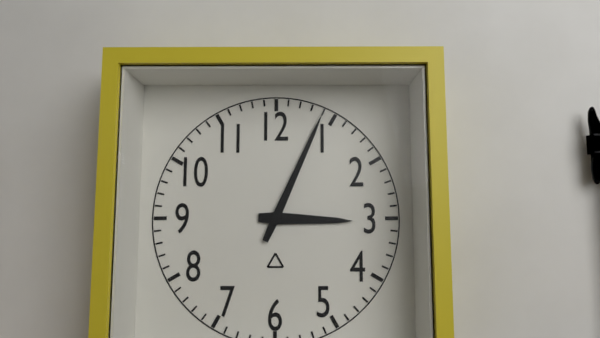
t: 3:04
